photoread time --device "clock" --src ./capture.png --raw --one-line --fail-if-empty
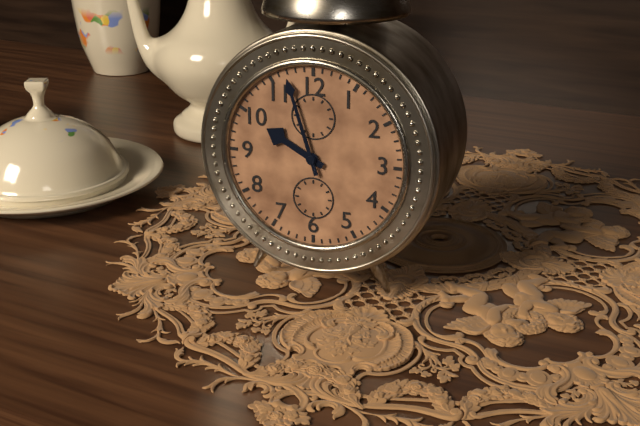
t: 9:57
